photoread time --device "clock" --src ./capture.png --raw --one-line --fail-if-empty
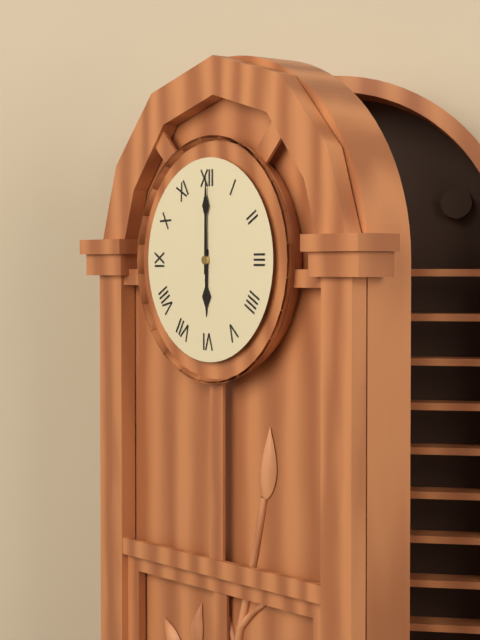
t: 6:00
